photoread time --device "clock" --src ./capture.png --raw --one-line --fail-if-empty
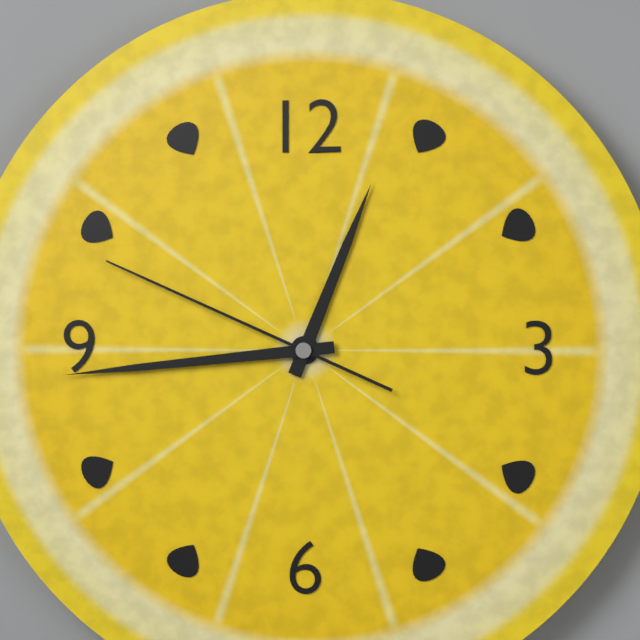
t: 12:44:49
